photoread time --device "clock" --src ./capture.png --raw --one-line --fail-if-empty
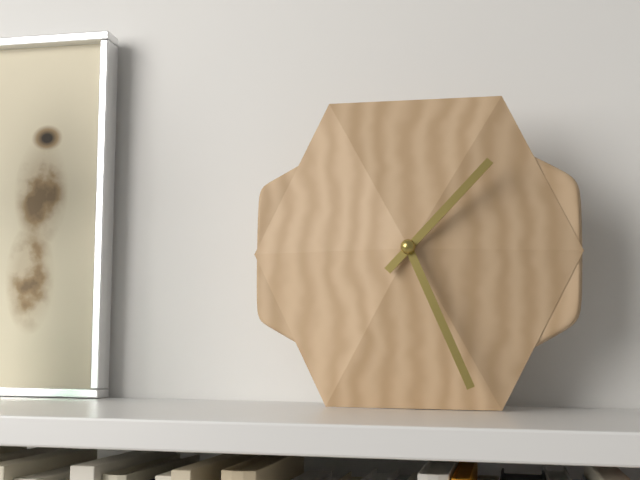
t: 1:26
